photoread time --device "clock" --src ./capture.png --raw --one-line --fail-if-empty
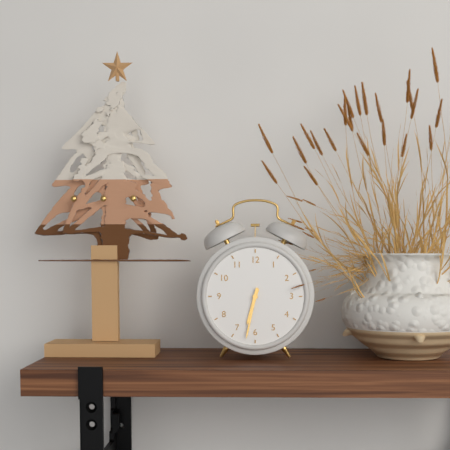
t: 6:32
